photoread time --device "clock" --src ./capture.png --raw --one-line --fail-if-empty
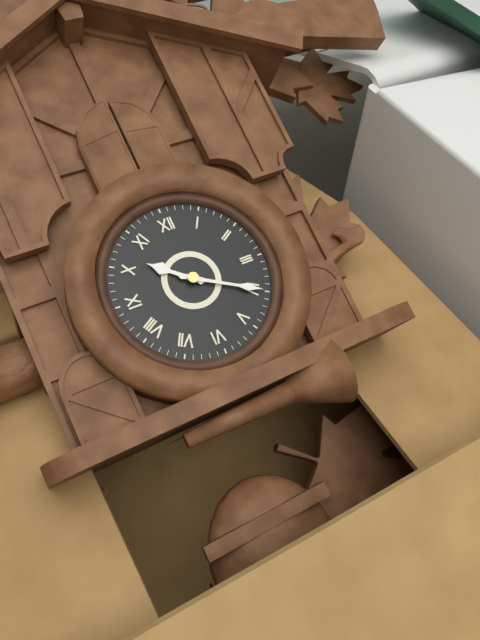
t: 10:20
